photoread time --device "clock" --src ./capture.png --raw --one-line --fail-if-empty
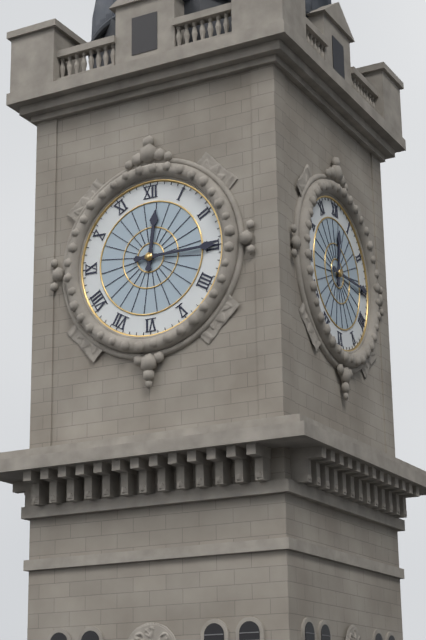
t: 12:15
